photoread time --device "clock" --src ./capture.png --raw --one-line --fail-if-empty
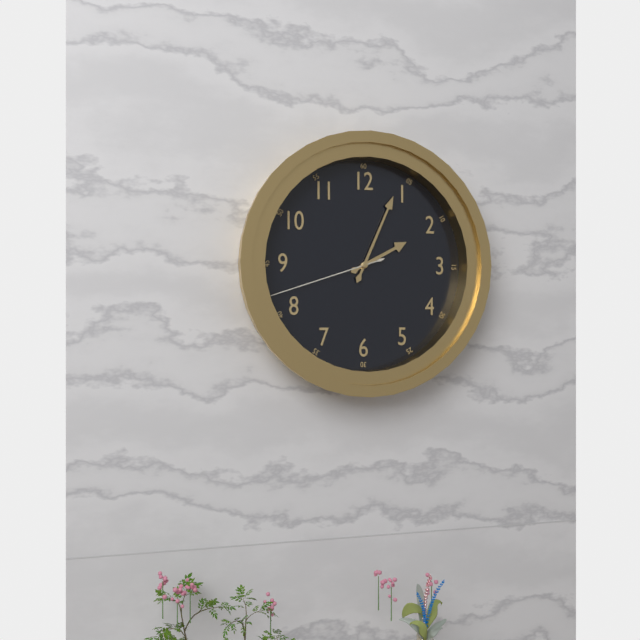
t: 2:04:42
